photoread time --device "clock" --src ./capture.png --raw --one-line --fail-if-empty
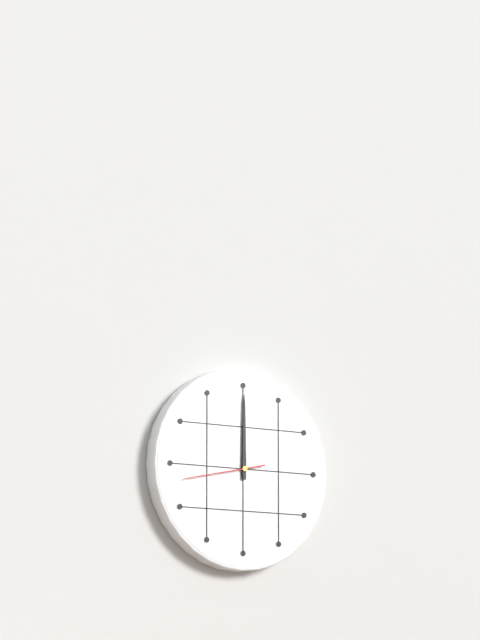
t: 12:00:43
